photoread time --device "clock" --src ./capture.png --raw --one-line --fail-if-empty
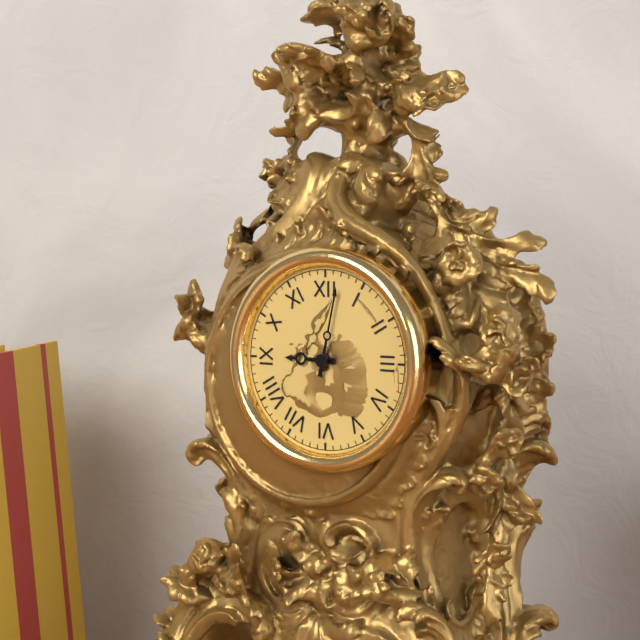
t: 9:02
